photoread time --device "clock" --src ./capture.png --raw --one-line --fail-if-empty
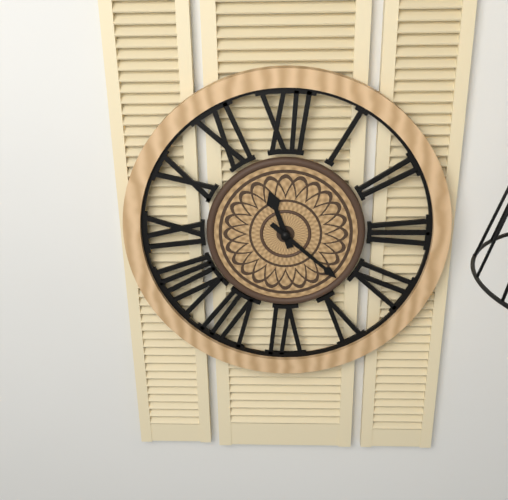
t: 11:22
